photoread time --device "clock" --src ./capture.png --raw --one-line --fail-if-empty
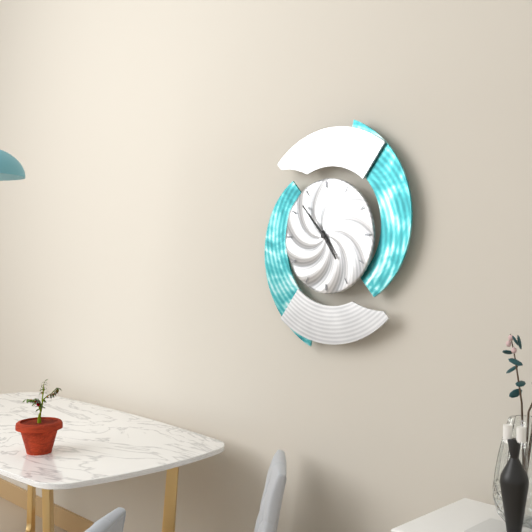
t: 4:53
